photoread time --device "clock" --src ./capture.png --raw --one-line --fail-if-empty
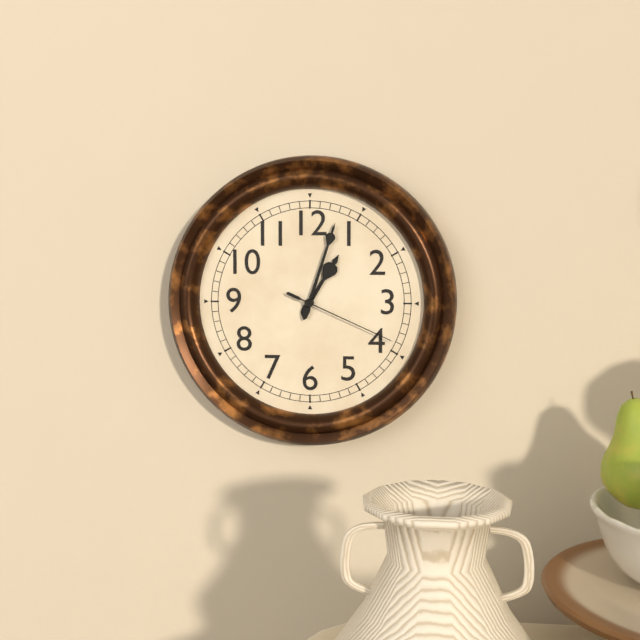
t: 1:03:19
